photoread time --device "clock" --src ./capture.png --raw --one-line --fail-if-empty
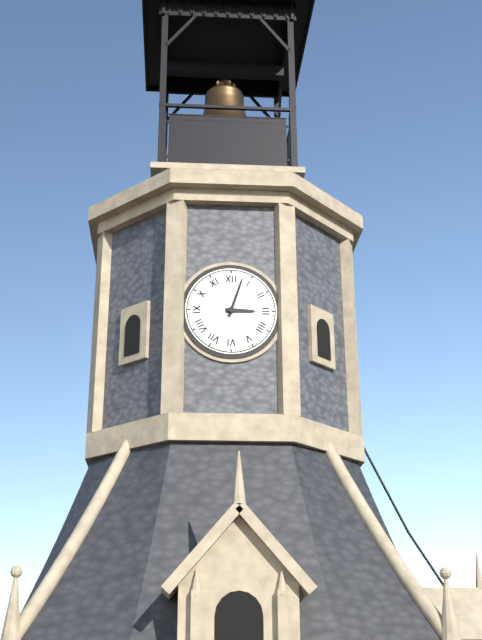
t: 3:03
